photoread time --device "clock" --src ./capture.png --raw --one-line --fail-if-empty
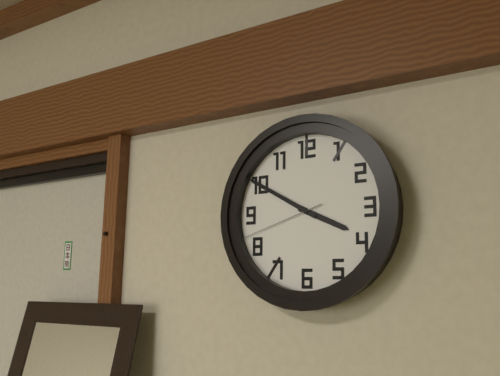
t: 3:50:42
